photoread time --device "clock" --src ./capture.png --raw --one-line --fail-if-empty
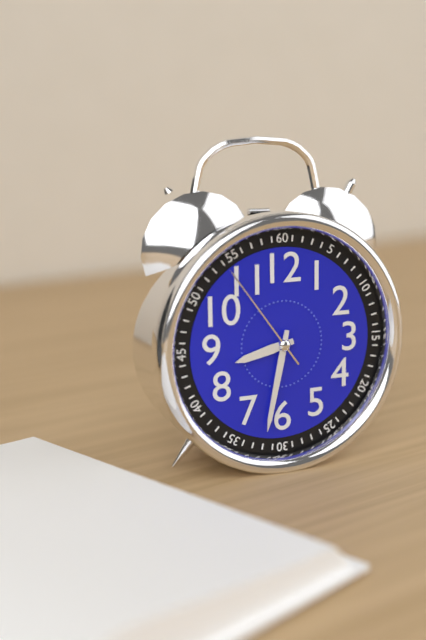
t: 8:32:54
